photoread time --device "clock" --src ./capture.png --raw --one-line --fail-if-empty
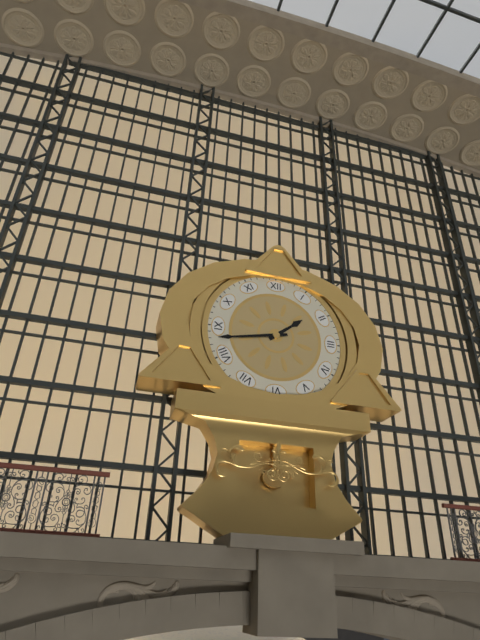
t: 1:43
